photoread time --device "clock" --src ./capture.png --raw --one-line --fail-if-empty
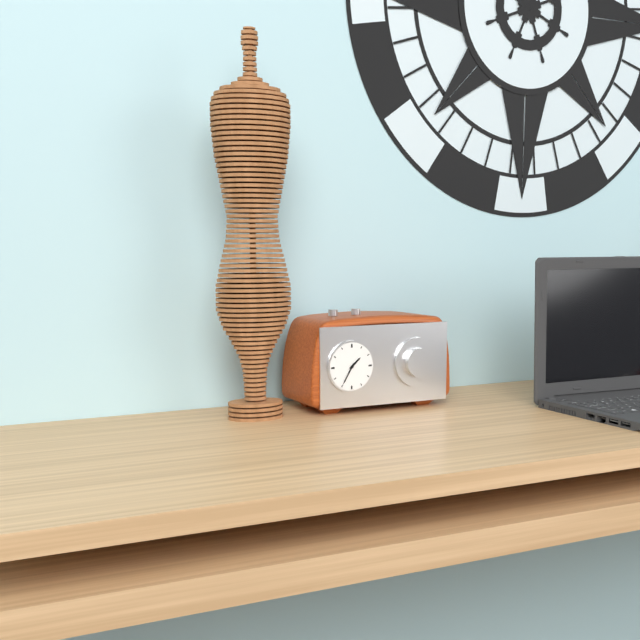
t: 1:35
